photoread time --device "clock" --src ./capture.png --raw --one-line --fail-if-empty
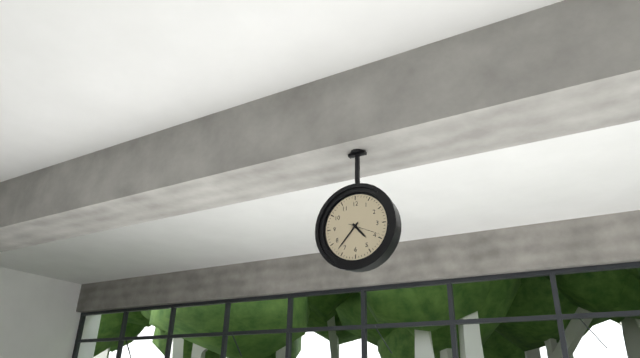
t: 4:37
